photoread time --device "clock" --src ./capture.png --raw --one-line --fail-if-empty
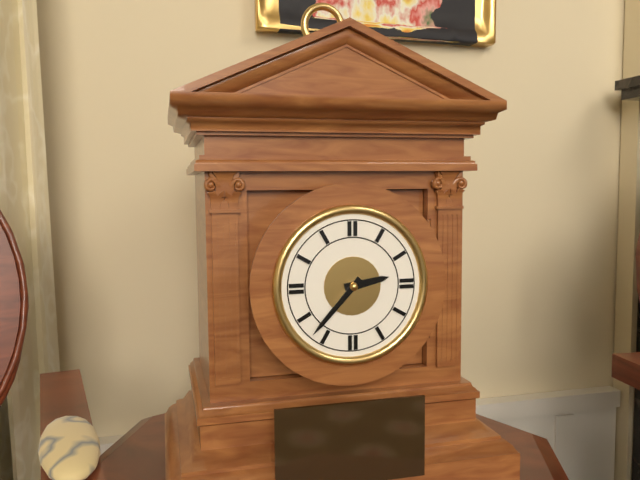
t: 2:37
